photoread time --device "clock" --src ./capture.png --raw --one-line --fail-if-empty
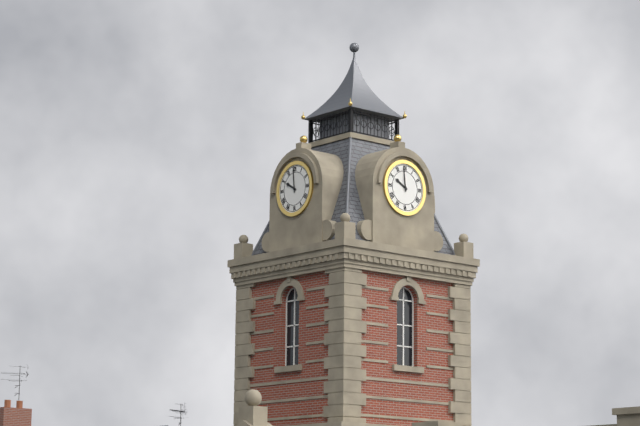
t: 9:59
